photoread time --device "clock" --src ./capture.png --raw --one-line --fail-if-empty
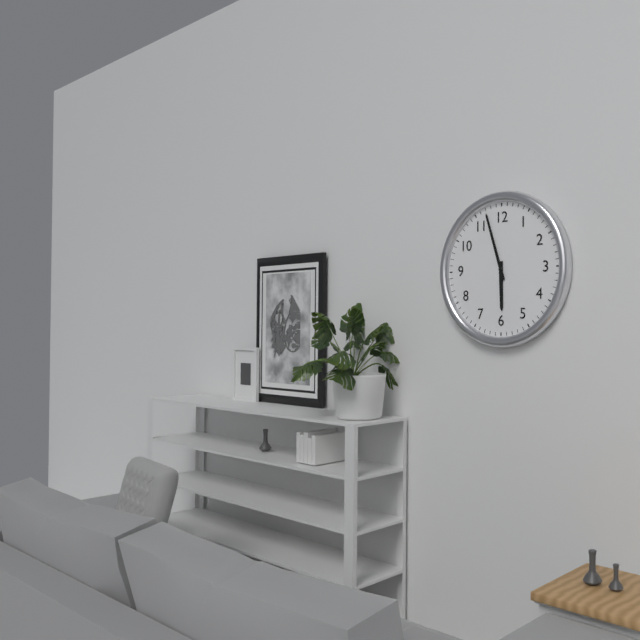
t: 5:57
